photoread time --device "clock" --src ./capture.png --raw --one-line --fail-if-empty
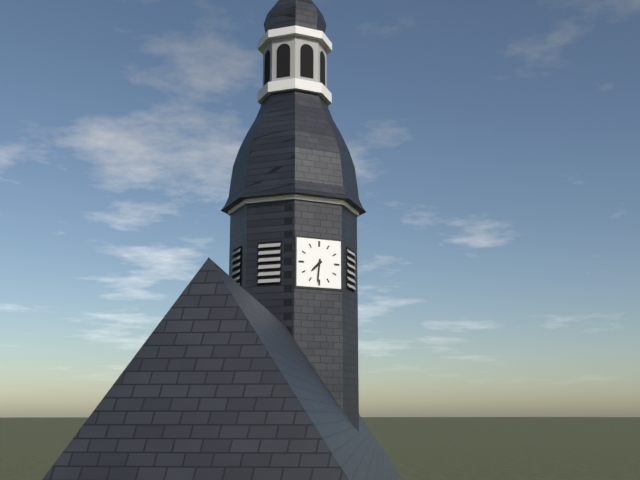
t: 7:31
